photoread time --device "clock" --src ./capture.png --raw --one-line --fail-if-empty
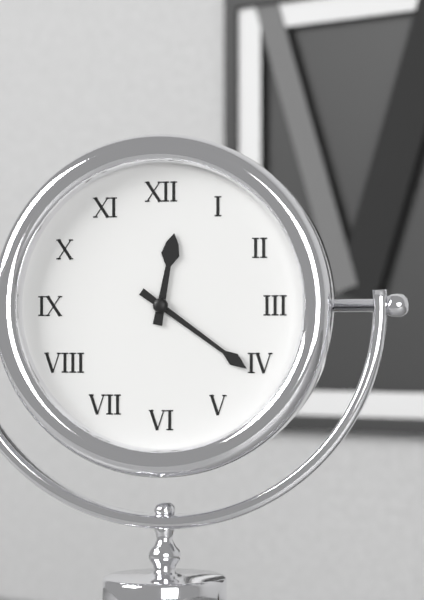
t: 12:21
